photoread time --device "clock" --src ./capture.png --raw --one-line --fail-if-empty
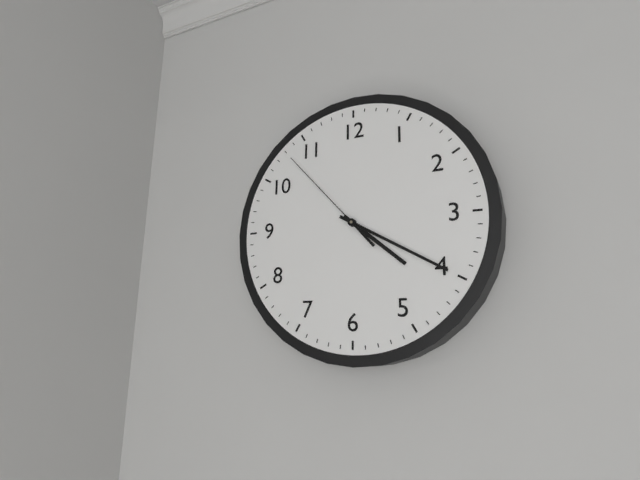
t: 4:20:53
